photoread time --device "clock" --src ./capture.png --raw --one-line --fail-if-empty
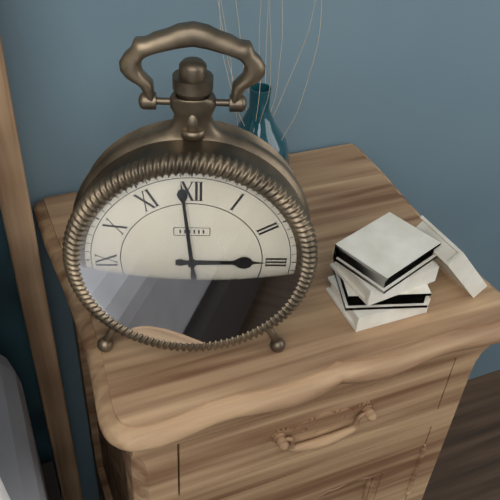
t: 2:59
